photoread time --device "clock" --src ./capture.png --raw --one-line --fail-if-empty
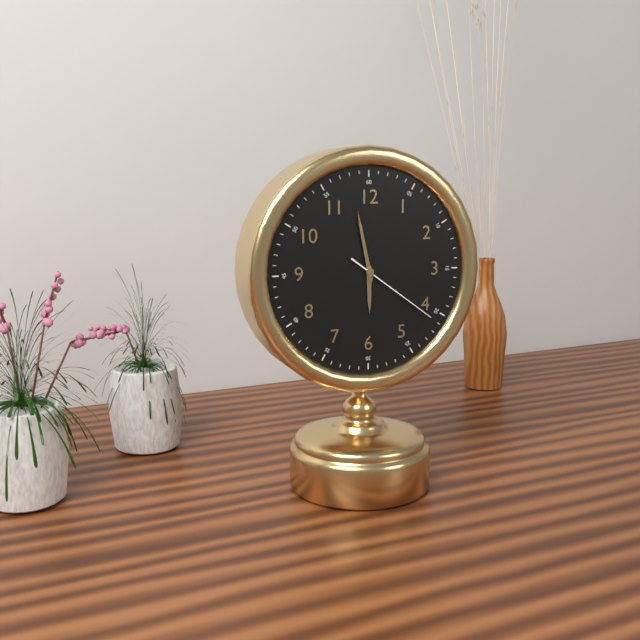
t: 5:58:21
